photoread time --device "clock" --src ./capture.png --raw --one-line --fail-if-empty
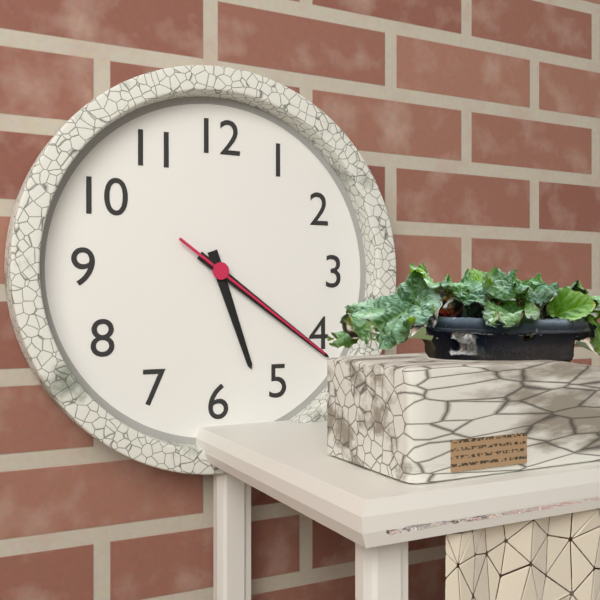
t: 5:21:21
